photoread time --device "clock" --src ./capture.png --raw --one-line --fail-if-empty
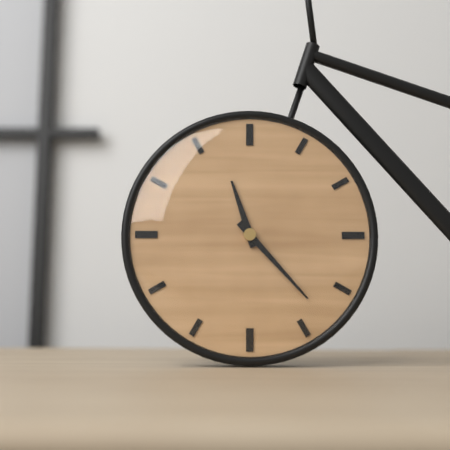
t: 11:23
